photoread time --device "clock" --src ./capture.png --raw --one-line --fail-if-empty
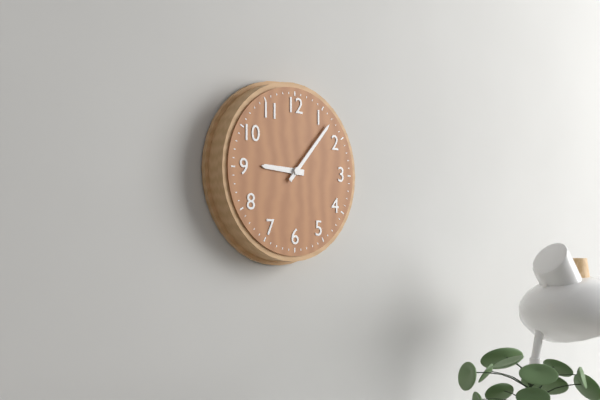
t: 9:07
